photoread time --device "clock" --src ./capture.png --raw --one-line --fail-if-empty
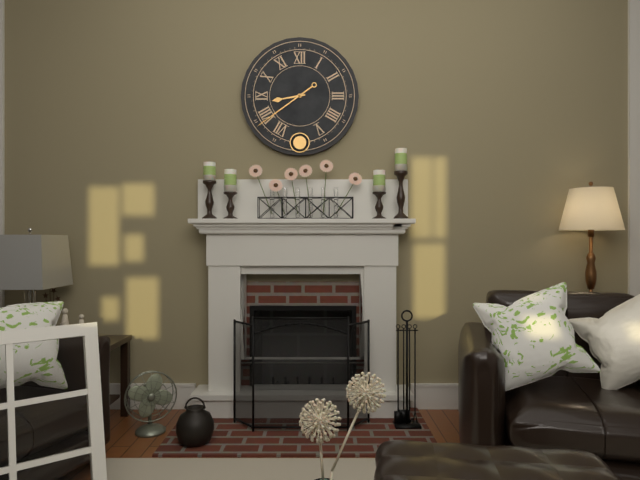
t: 8:39
